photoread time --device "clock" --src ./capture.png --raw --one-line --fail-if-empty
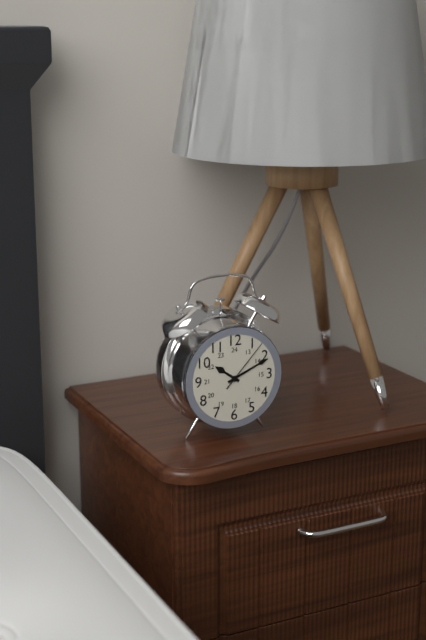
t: 10:11:07
